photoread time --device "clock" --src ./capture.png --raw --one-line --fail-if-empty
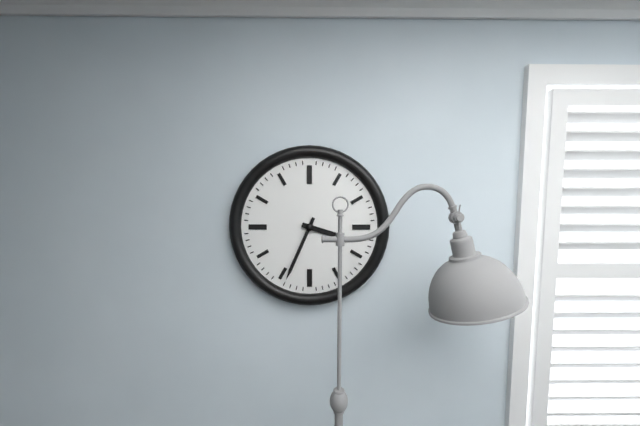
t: 3:34
